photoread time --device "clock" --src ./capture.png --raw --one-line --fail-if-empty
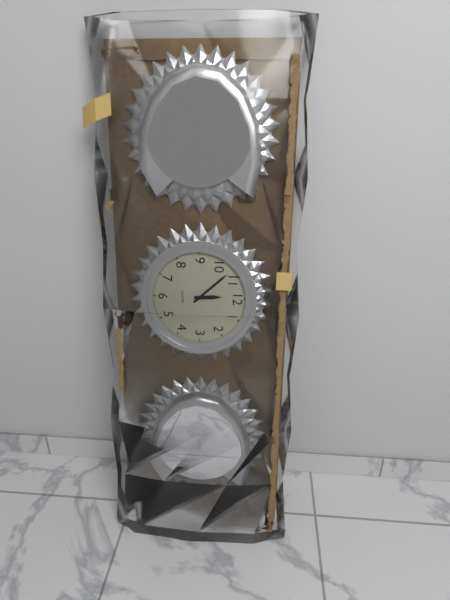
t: 11:53
